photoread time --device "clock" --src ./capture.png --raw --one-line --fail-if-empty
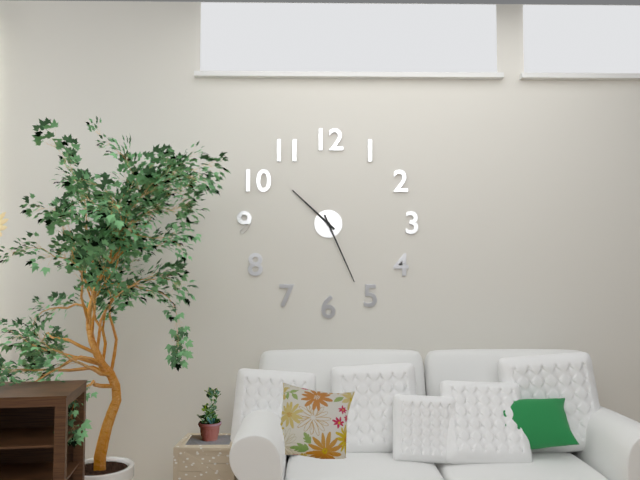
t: 10:26
